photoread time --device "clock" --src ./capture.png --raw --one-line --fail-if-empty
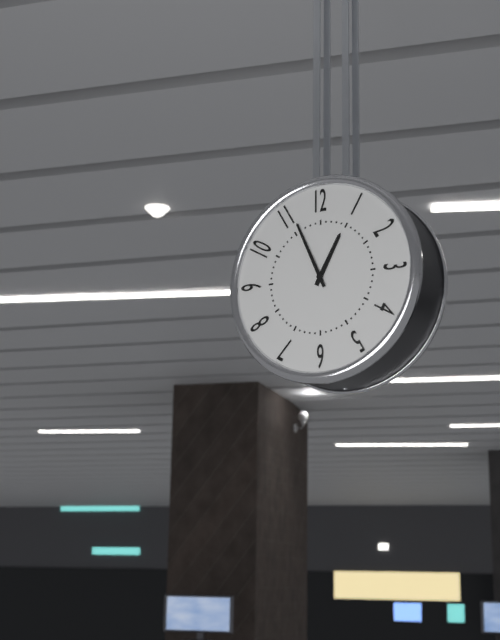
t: 12:56
